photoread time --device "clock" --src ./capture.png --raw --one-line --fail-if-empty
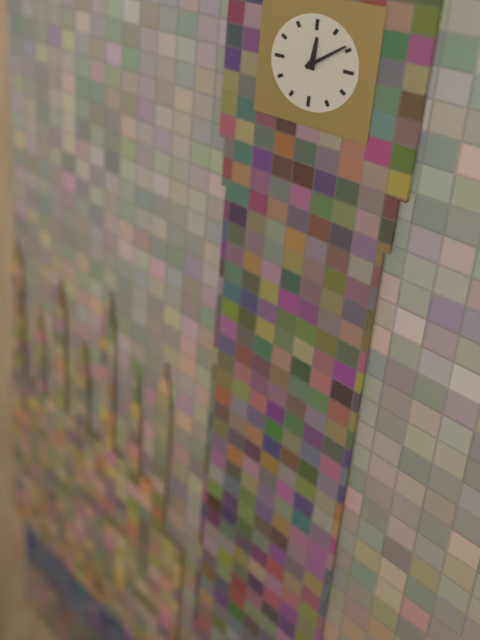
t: 12:09
